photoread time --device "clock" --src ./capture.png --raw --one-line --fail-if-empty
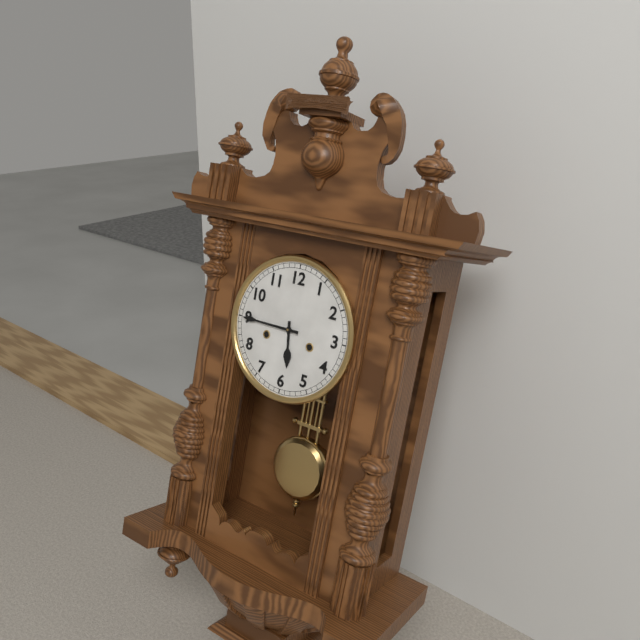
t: 5:45
